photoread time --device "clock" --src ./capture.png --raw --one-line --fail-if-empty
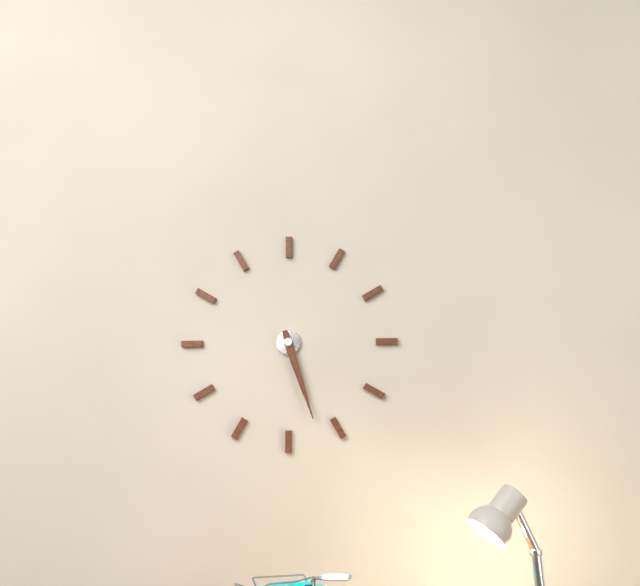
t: 5:27
